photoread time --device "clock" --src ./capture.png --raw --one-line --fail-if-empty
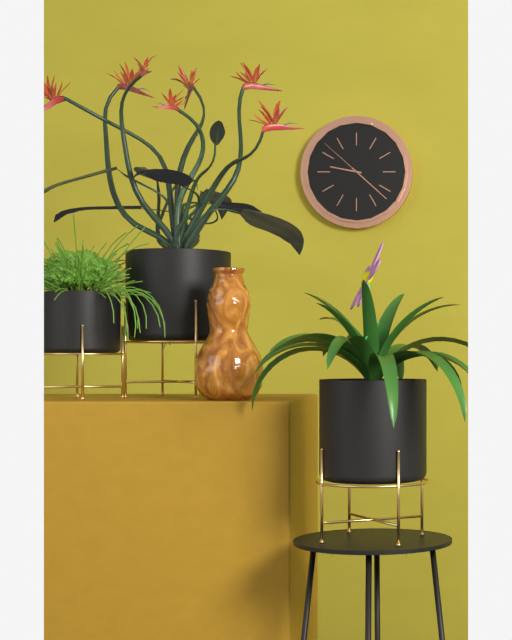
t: 9:22:52
